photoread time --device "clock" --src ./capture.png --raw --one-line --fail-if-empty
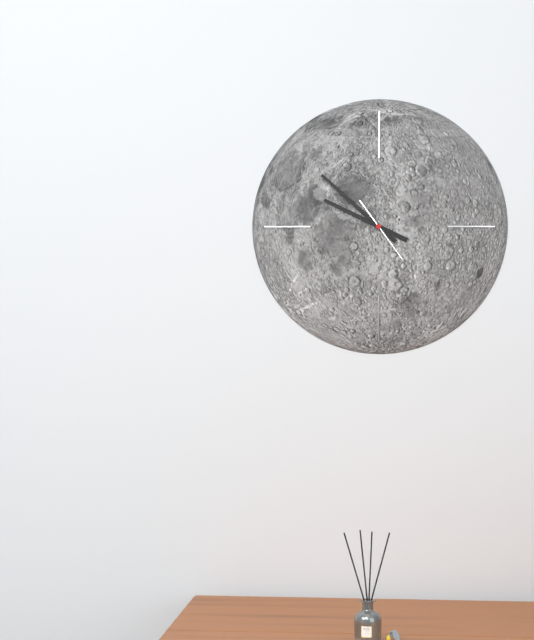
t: 9:52:24
